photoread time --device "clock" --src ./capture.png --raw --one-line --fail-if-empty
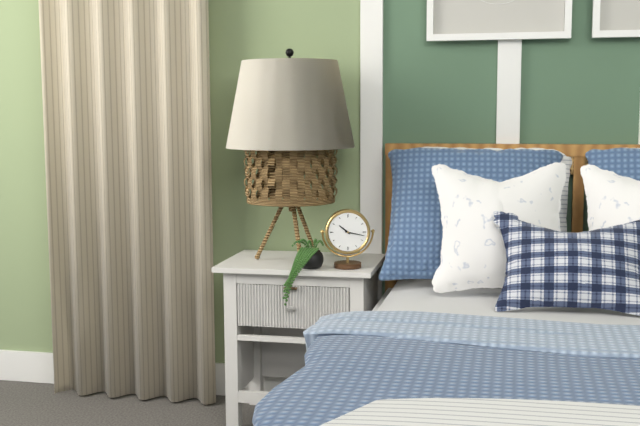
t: 10:17
